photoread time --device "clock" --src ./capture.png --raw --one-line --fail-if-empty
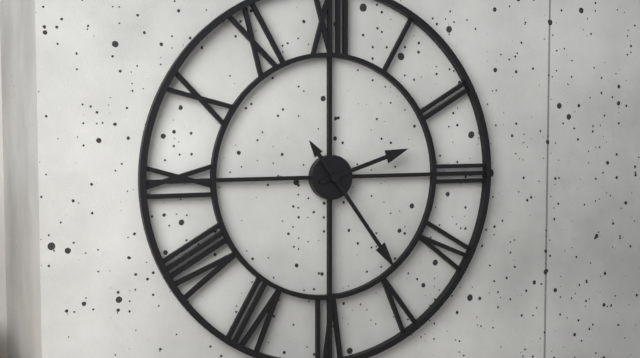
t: 2:24
